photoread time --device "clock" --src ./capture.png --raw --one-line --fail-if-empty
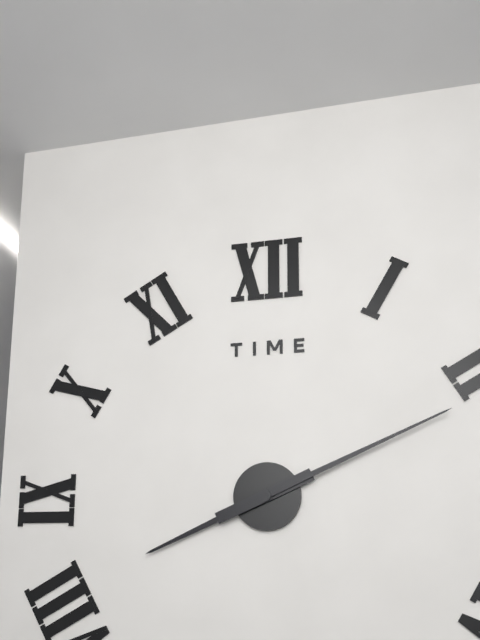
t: 8:11
